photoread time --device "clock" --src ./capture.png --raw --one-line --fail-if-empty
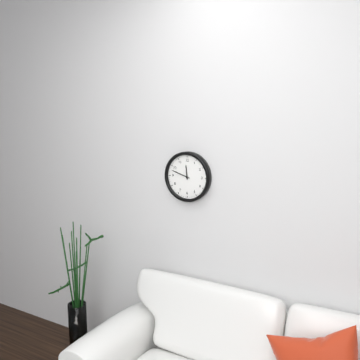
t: 11:48
